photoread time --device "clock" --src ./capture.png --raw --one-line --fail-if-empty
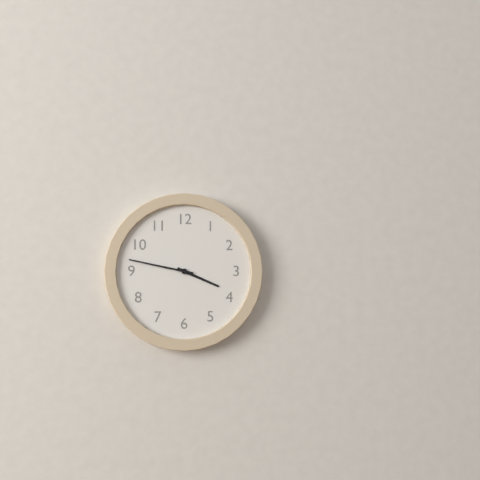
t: 3:47
